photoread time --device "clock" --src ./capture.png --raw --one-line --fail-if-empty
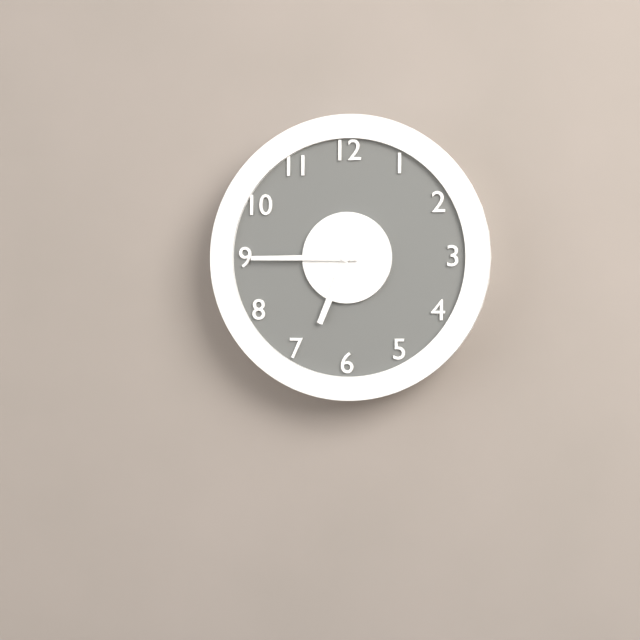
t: 6:45
